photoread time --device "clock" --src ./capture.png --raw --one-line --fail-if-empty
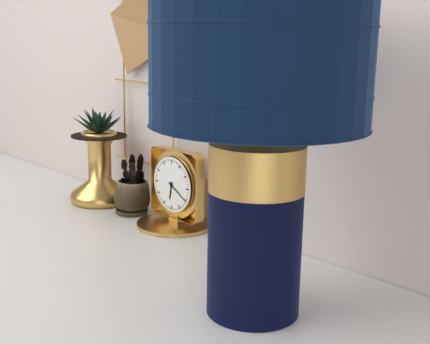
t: 6:20
